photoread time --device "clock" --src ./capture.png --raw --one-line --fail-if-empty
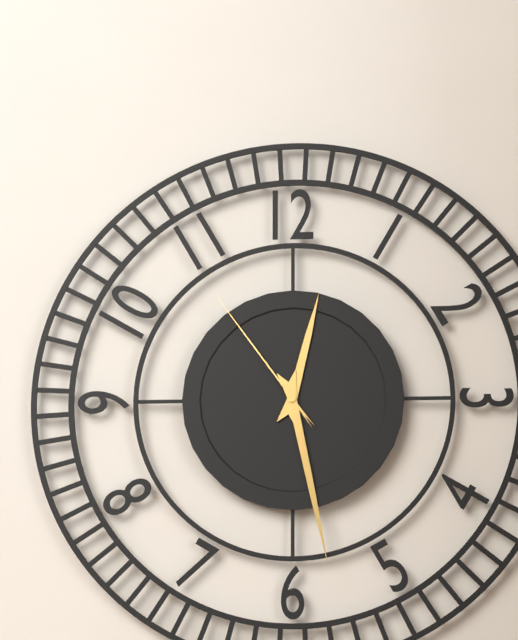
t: 12:28:54
